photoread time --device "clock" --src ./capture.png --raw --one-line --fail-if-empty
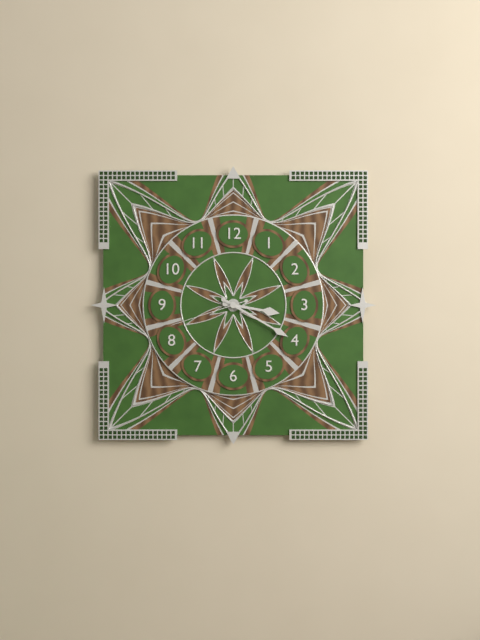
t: 3:20:42
